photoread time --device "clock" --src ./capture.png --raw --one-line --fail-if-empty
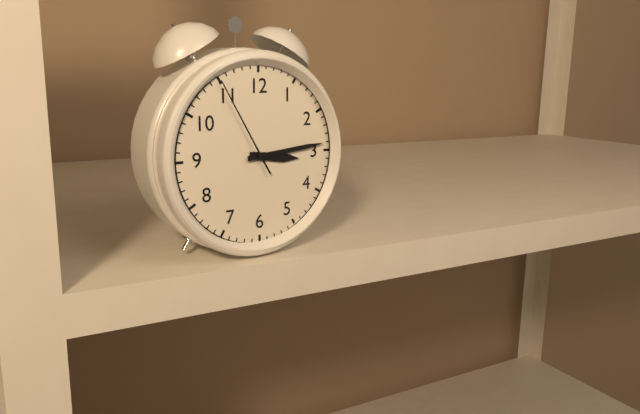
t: 3:14:55
